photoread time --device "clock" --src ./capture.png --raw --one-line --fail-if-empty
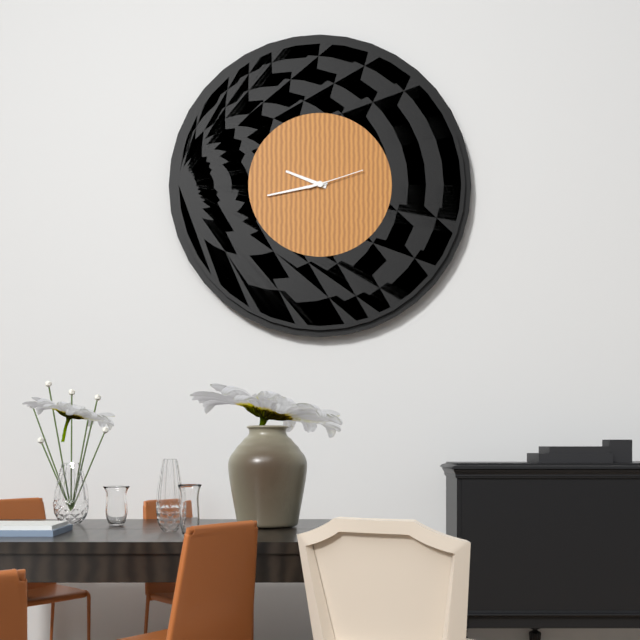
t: 9:43:12
